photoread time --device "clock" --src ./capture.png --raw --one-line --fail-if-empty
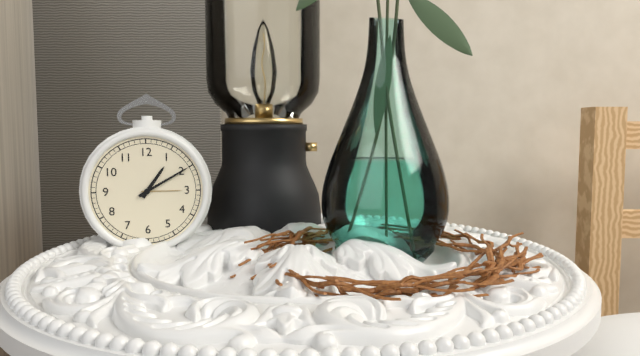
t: 1:10
